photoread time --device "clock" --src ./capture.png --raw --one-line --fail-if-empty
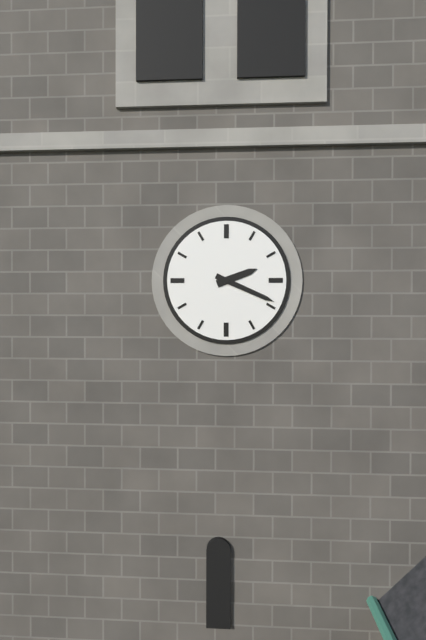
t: 2:19
